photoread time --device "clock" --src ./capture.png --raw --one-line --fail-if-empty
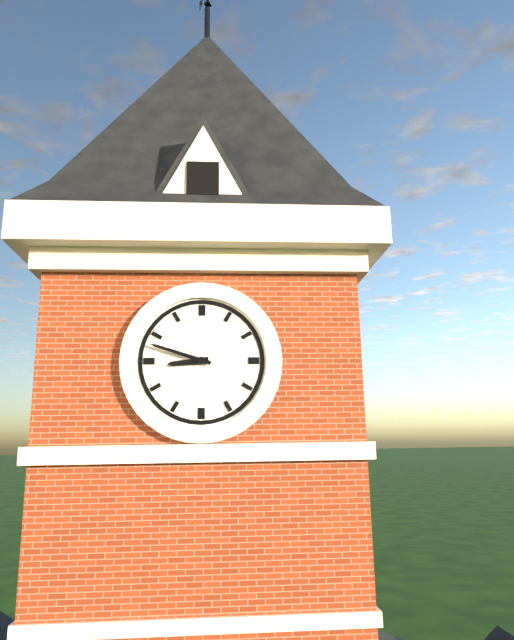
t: 8:48
